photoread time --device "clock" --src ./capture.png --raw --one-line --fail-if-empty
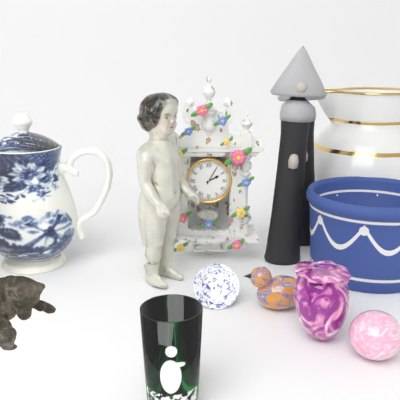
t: 2:05
